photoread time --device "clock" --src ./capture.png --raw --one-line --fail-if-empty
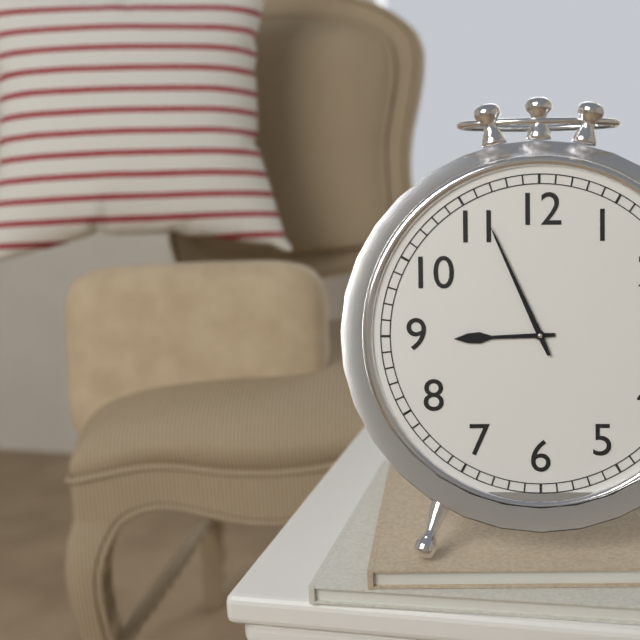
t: 8:56
